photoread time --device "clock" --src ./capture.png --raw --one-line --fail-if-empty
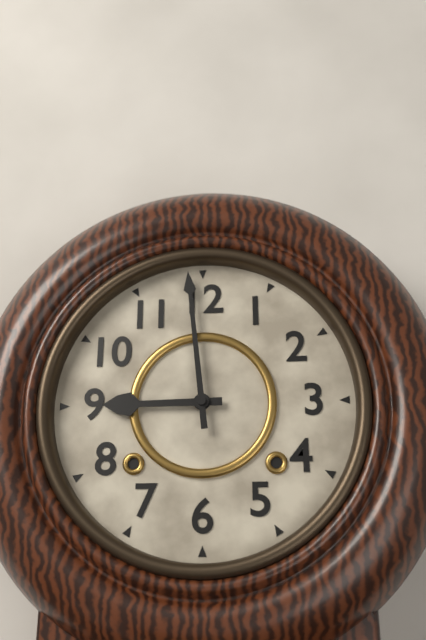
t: 8:59
